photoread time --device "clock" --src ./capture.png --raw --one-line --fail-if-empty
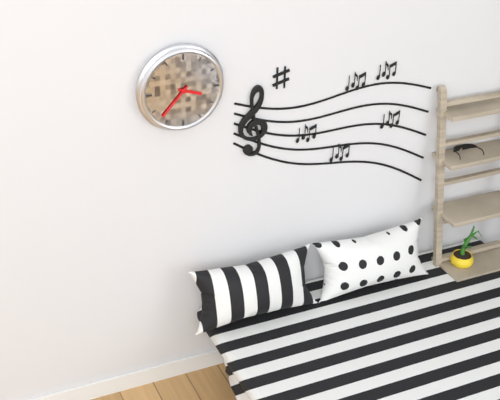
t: 3:37
